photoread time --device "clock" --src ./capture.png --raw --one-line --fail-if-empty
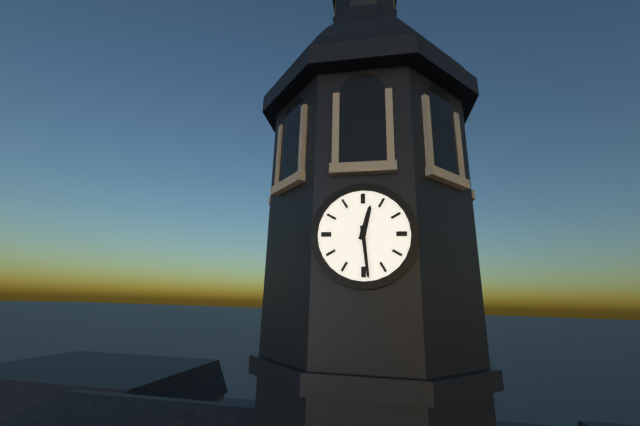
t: 12:29
